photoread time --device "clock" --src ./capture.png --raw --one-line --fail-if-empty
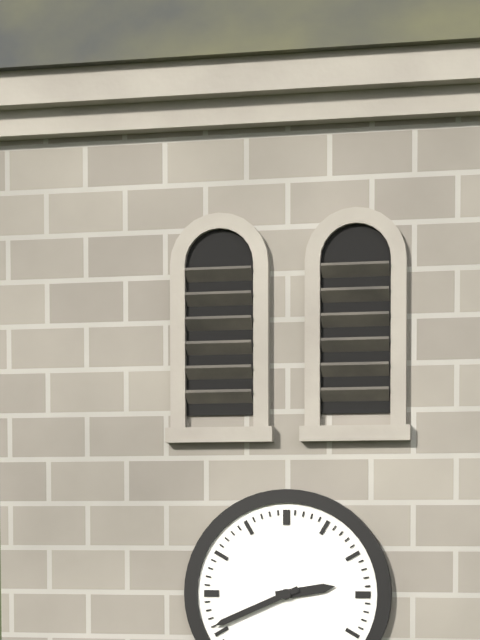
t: 2:41
